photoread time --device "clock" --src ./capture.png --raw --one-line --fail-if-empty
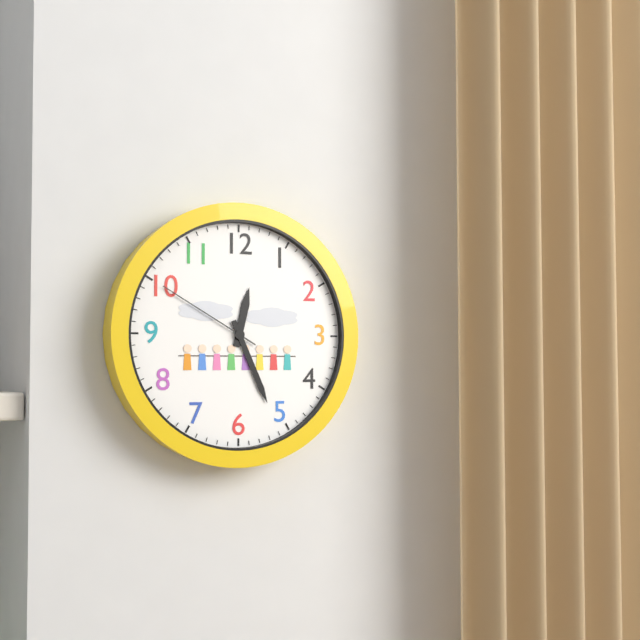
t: 12:26:50
